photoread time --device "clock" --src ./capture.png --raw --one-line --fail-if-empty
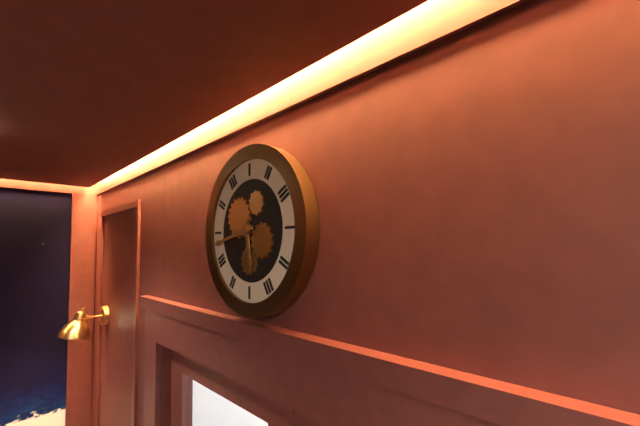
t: 5:43
